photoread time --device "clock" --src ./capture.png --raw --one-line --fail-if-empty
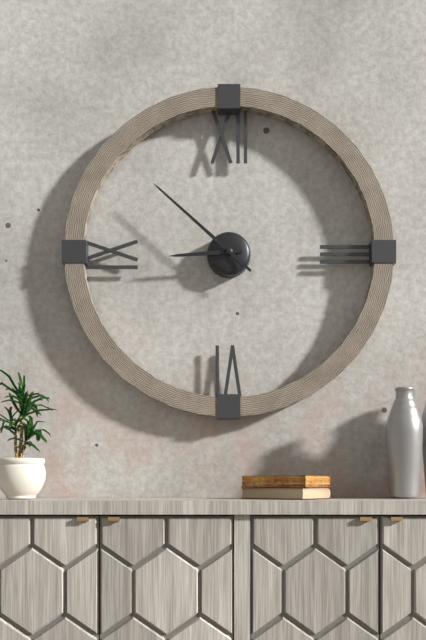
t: 8:52
